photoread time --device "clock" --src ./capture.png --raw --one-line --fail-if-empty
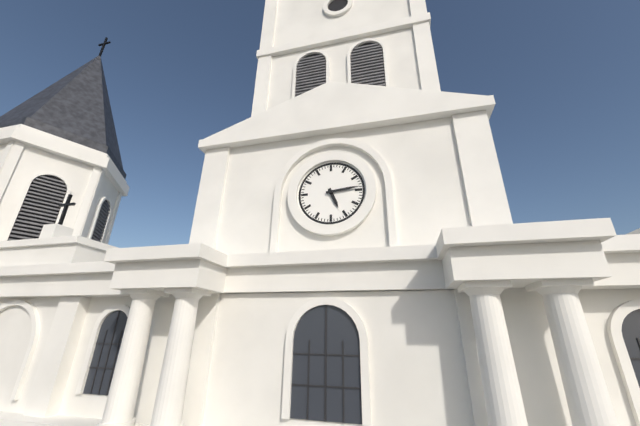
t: 5:14
